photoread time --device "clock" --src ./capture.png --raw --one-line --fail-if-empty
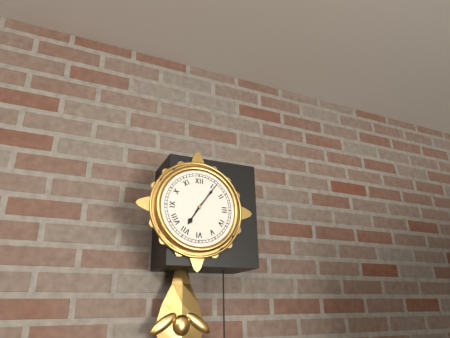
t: 7:06
